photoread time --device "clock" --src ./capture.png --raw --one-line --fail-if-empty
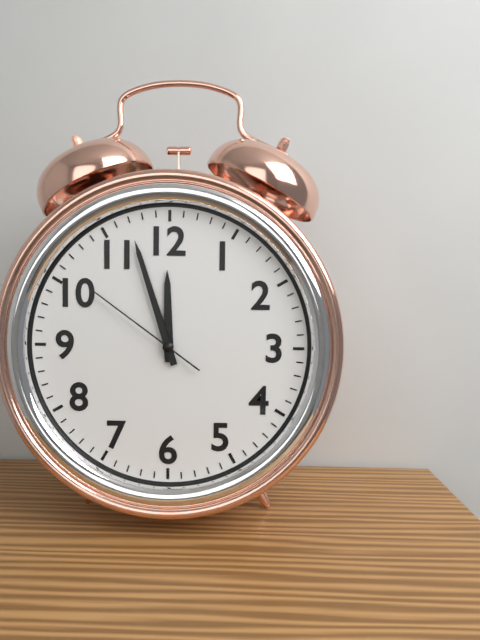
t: 11:57:51
